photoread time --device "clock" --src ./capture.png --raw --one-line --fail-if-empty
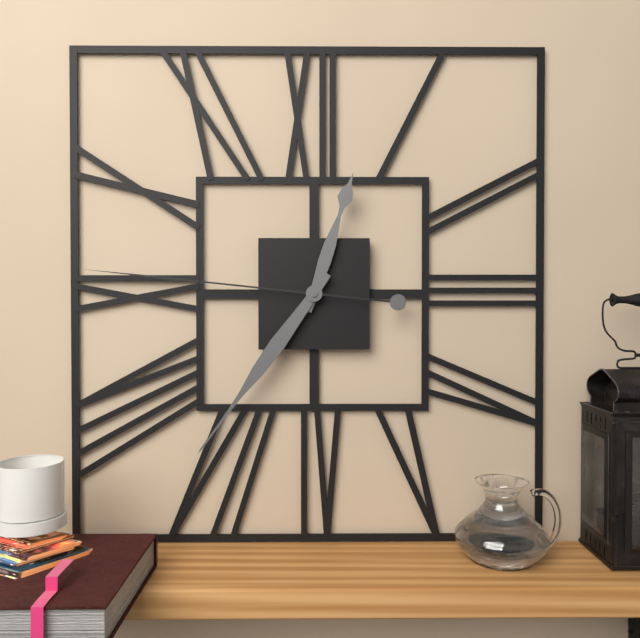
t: 12:36:46
